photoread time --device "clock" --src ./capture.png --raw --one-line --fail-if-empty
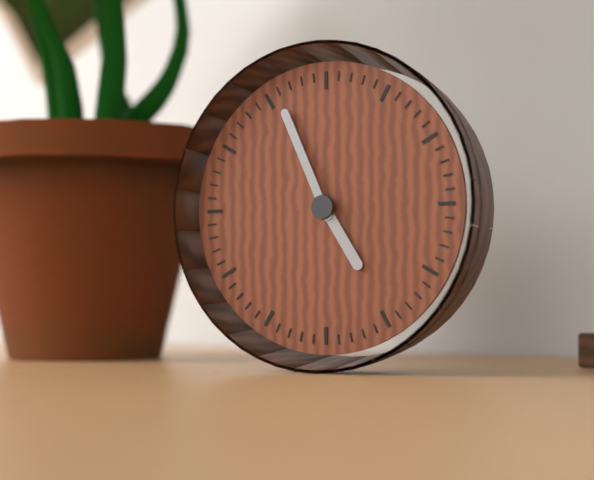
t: 4:56
